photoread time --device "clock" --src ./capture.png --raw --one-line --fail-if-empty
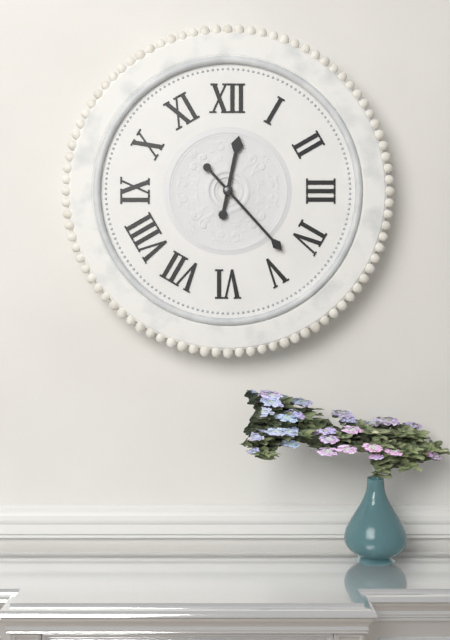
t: 12:23
